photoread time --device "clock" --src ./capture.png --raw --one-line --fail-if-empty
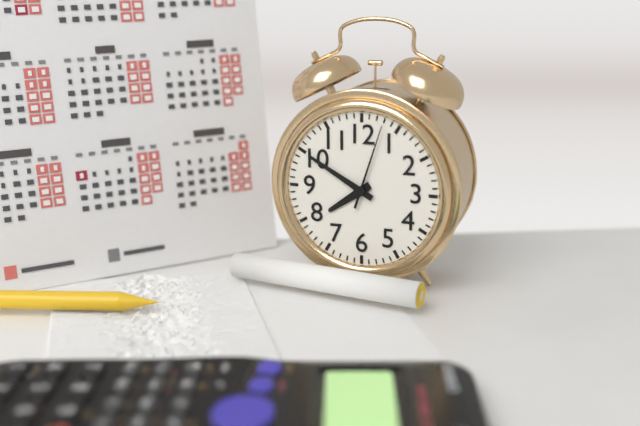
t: 7:50:03
